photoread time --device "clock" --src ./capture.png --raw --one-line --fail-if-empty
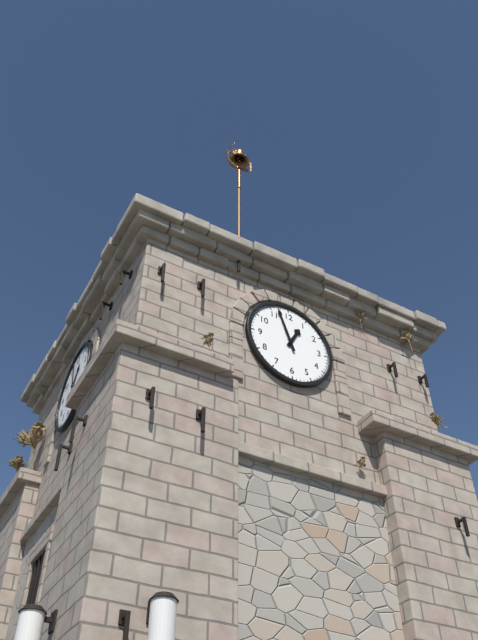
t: 12:57
